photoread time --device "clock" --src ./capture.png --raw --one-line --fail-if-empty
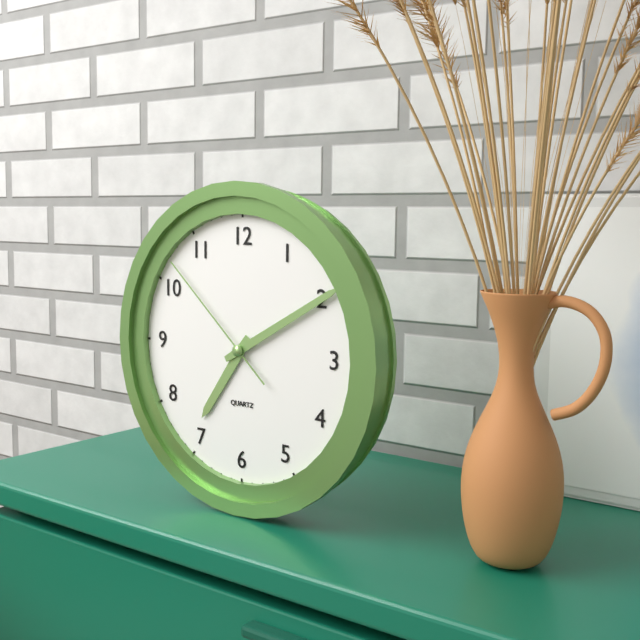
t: 7:10:52
